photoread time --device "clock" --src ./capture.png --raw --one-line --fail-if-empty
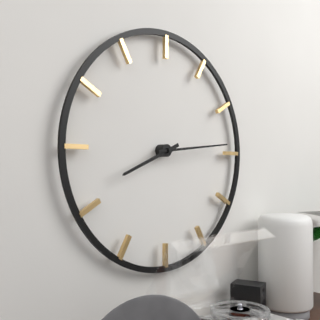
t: 8:14
